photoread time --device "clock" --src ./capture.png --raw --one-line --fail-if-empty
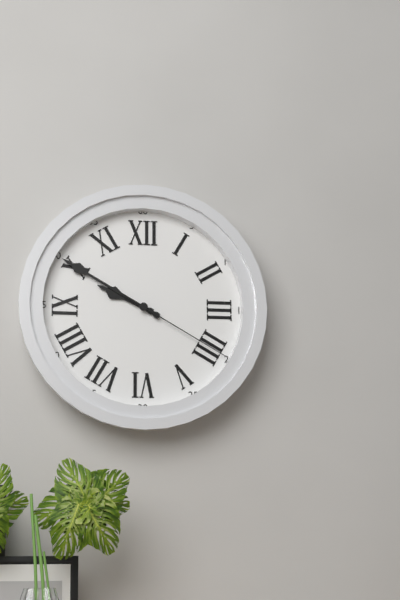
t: 9:50:20
